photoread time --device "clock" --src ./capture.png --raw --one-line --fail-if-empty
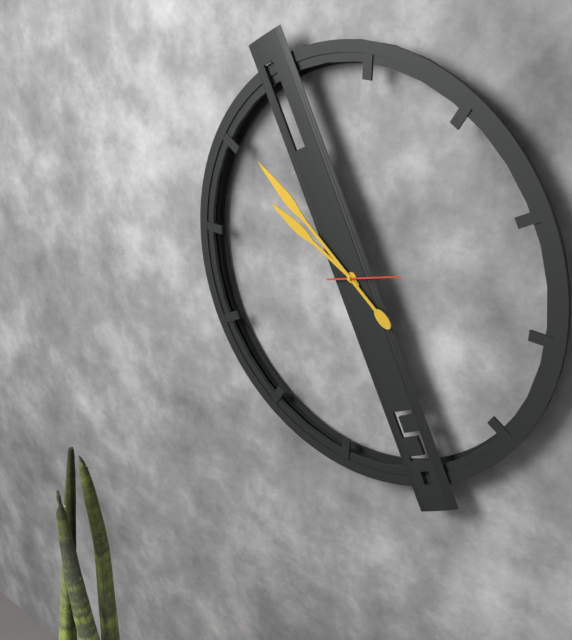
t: 9:51:12
